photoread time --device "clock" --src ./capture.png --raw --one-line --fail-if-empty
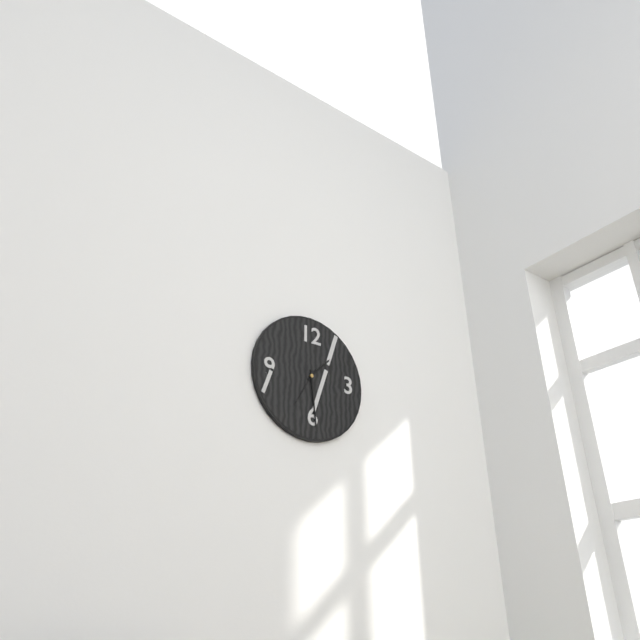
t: 1:29
